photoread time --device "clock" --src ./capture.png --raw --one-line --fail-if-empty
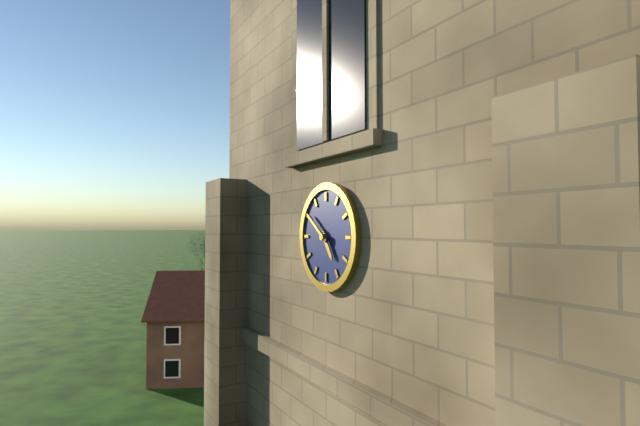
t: 4:51
